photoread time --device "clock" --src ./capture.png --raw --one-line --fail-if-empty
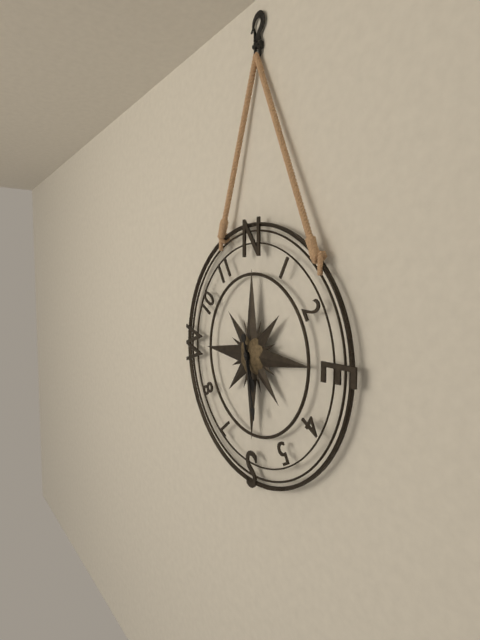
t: 5:28
